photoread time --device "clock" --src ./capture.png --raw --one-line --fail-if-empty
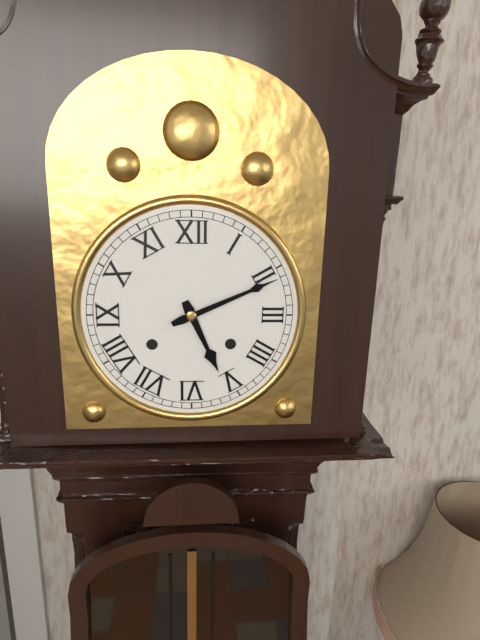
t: 5:11
